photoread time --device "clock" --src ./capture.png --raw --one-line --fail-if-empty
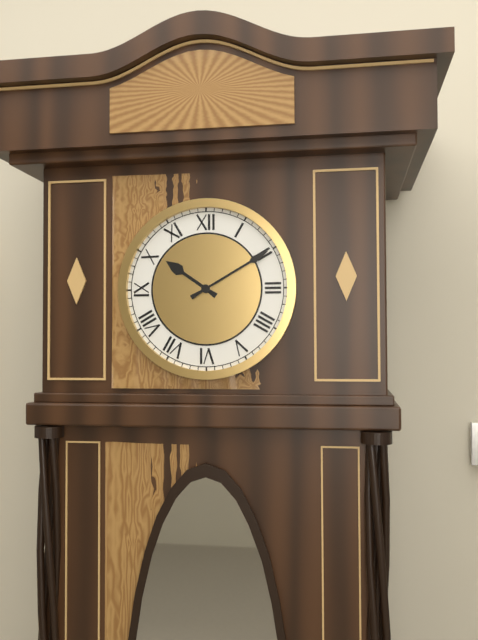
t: 10:10
